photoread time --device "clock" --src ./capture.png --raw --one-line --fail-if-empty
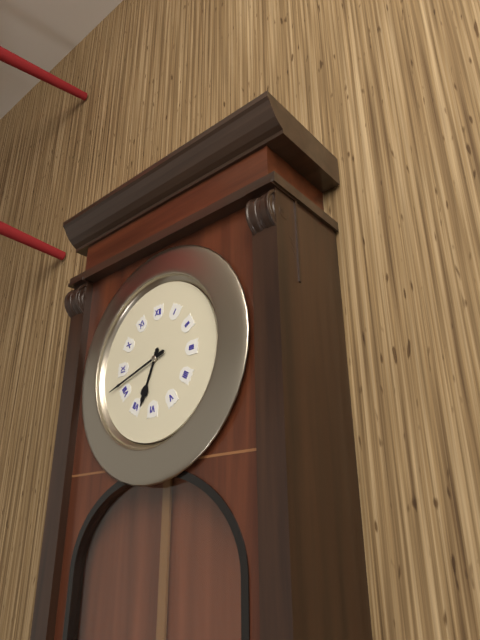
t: 6:42
